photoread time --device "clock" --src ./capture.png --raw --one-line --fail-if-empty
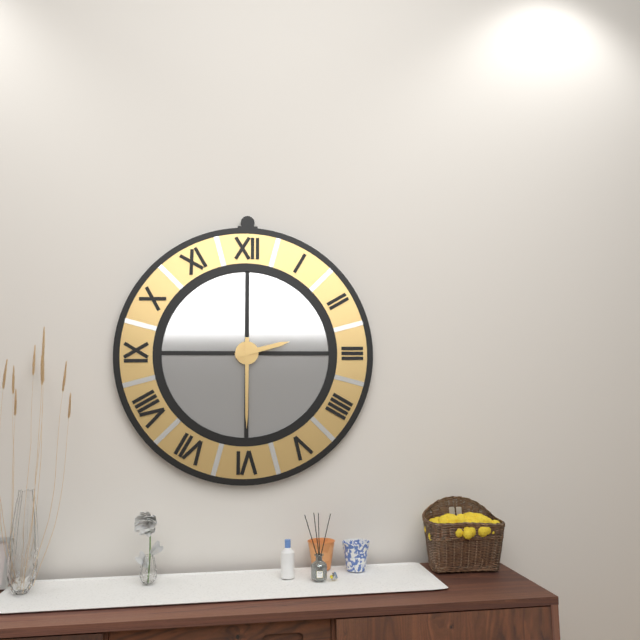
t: 2:30
